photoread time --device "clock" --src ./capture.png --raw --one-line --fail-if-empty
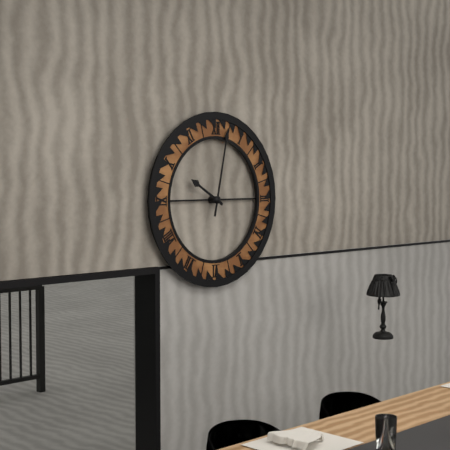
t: 10:02
